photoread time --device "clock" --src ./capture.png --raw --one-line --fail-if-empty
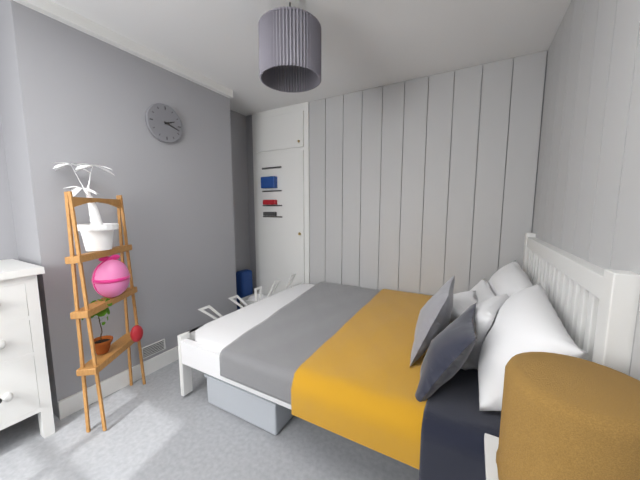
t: 2:18
